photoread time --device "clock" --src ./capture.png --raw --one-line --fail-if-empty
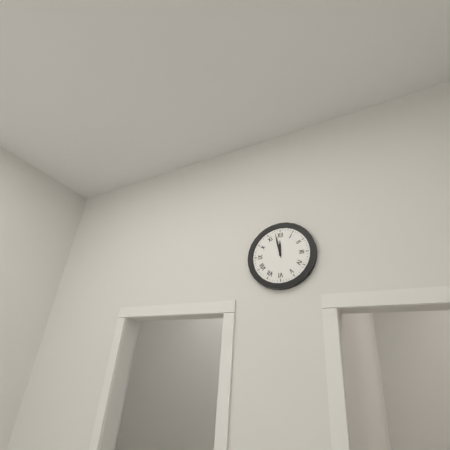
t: 11:58
